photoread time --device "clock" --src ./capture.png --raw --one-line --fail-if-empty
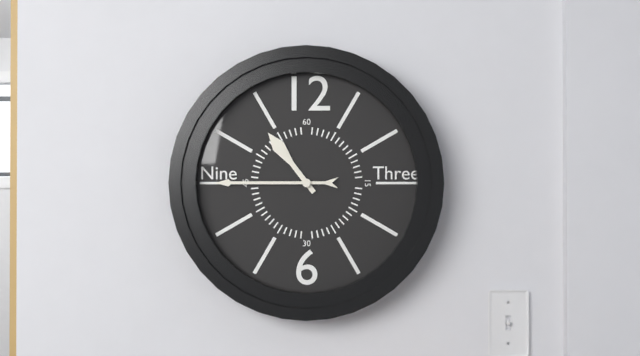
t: 10:45
